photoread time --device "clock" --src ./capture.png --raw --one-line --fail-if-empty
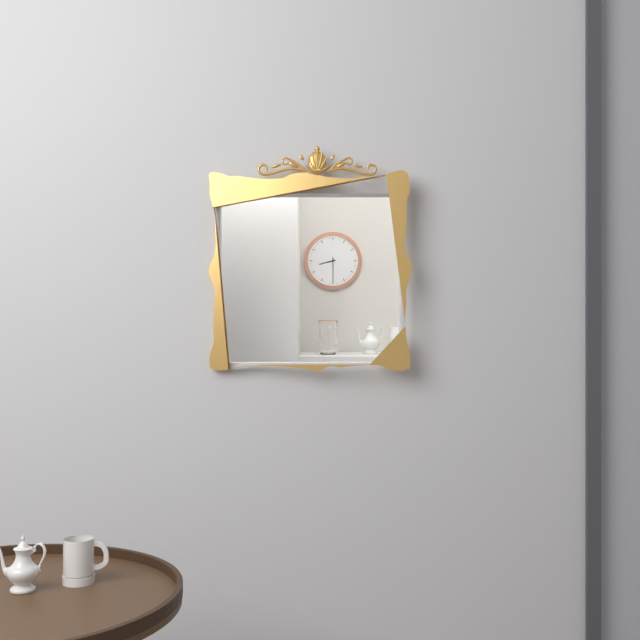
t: 8:30
